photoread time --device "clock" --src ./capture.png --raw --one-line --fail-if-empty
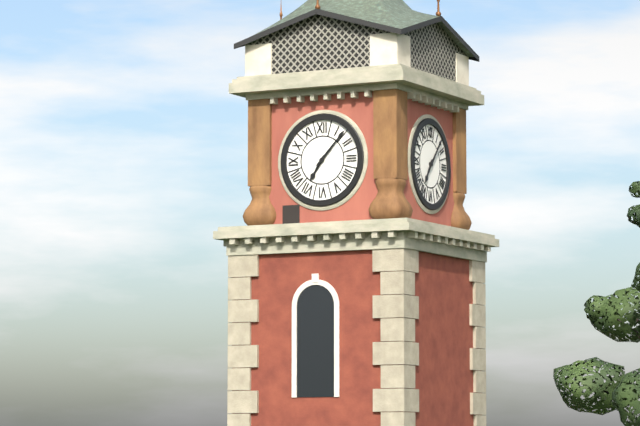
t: 7:07
